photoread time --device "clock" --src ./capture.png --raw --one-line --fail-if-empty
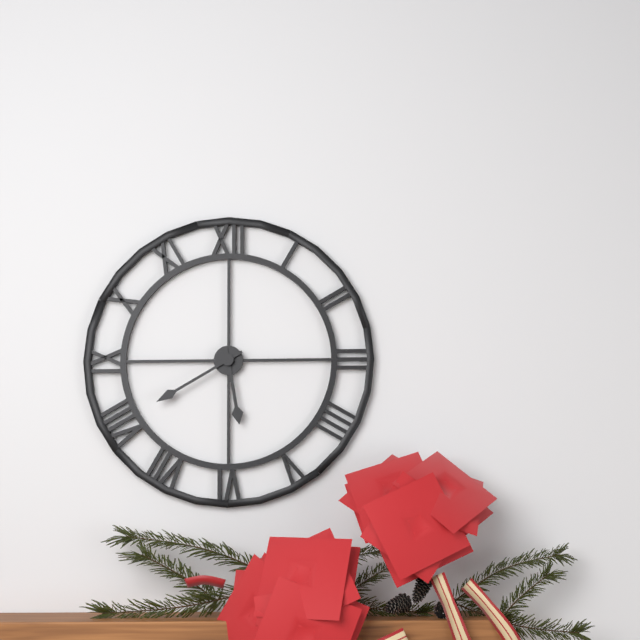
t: 5:40
